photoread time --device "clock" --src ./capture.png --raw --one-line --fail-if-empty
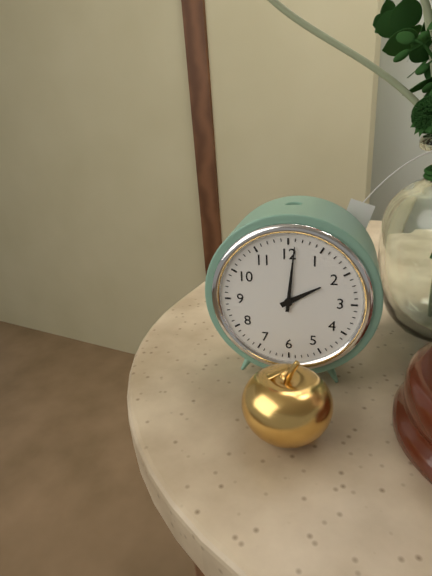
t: 2:01
